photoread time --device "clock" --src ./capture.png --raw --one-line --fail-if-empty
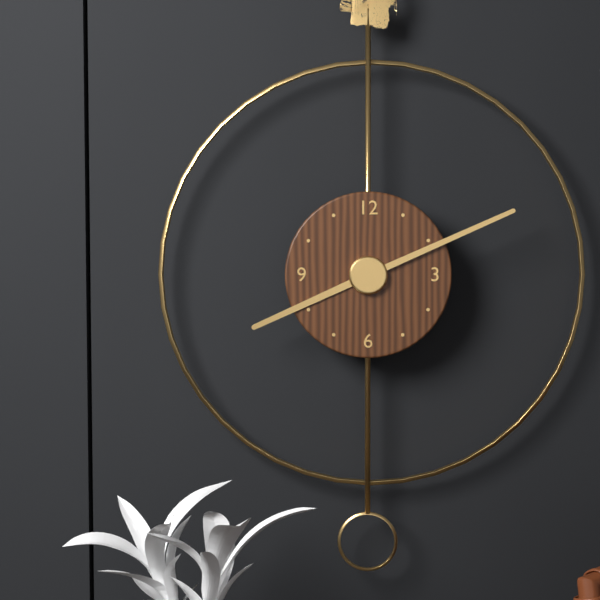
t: 8:11
